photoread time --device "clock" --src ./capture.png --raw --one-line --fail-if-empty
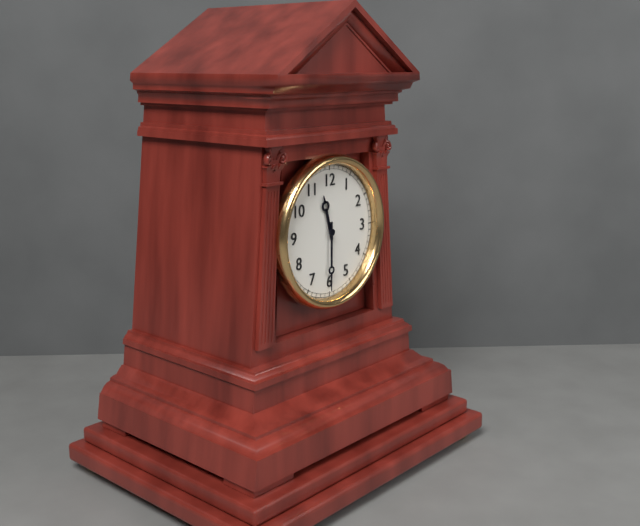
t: 11:30
